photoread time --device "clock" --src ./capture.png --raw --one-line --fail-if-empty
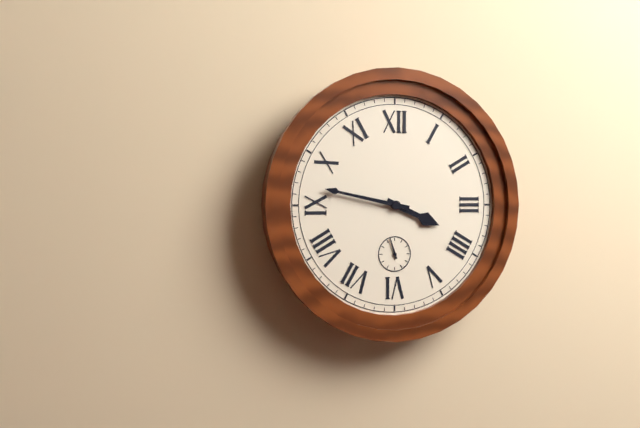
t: 3:47
